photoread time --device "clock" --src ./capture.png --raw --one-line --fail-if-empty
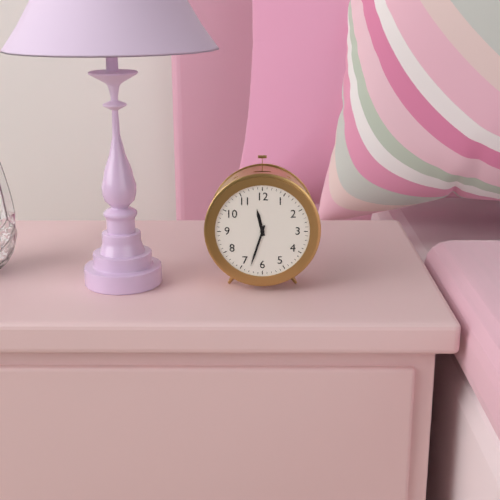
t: 11:33
